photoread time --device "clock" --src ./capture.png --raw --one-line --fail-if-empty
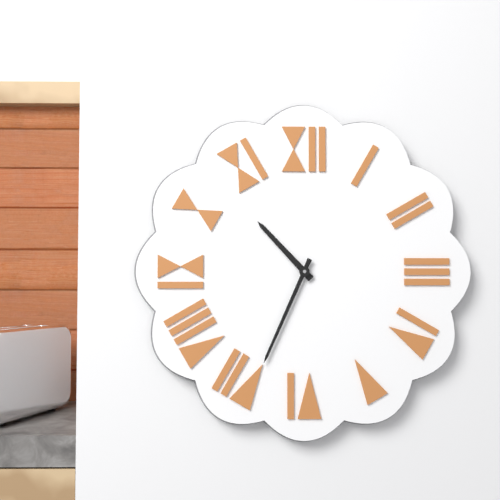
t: 10:34
